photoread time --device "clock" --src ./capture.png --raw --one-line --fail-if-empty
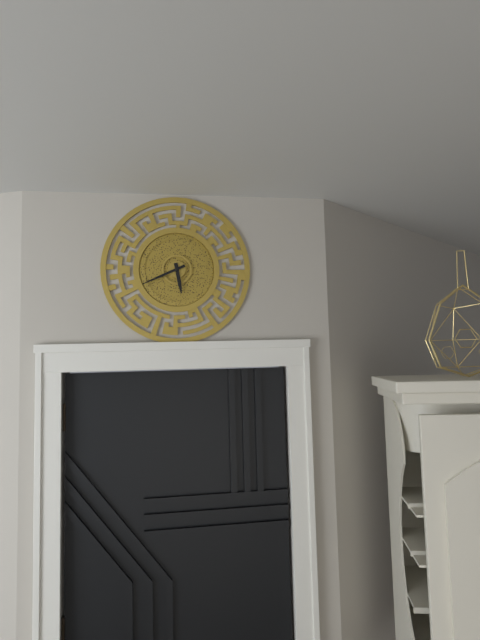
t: 5:41
